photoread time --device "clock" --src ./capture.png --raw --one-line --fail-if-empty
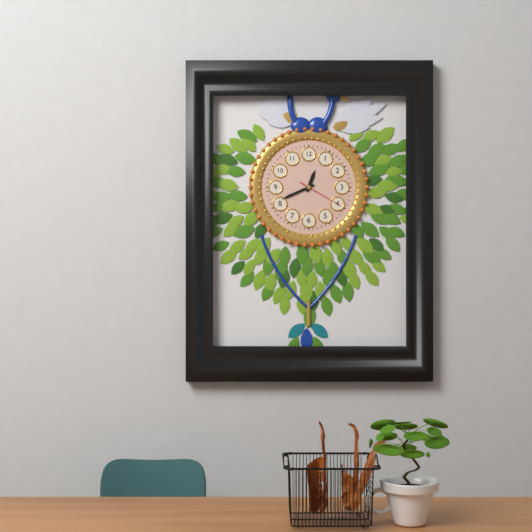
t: 12:41
